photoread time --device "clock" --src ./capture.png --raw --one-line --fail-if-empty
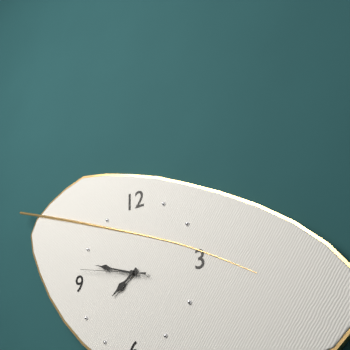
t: 7:48:47
